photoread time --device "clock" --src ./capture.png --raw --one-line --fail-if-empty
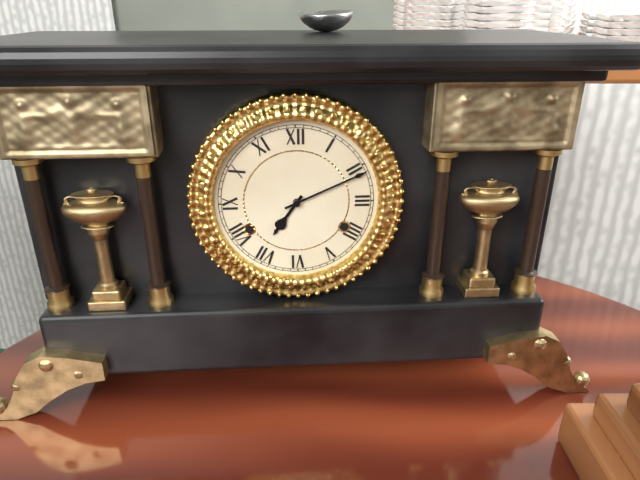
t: 7:11
